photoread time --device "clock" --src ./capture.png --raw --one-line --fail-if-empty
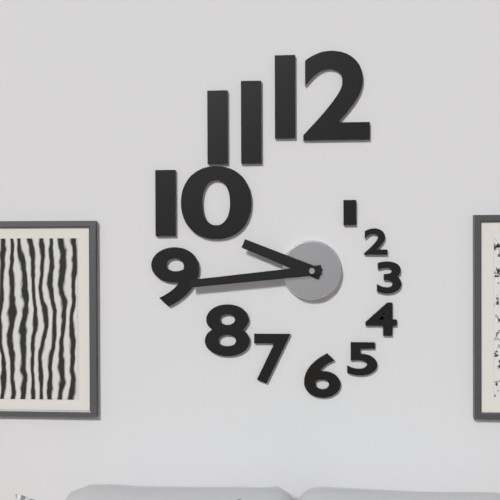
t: 9:44
